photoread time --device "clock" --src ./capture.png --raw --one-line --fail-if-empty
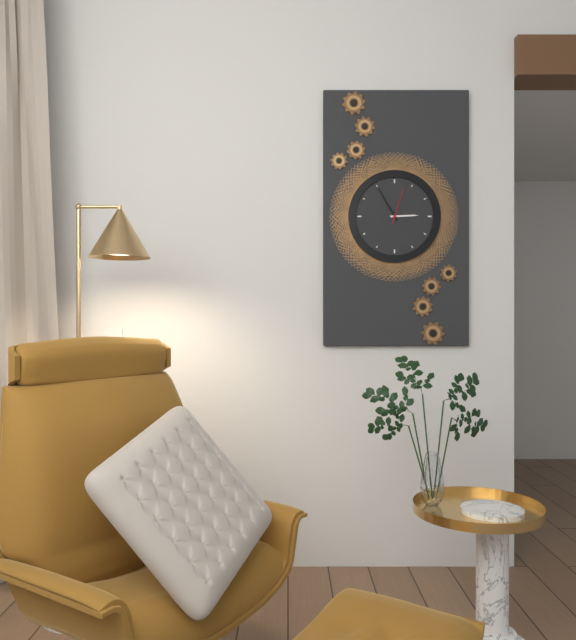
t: 2:55
